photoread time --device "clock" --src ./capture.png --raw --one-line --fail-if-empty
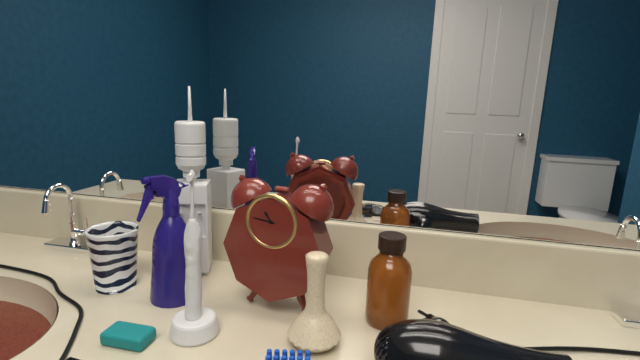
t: 10:46
